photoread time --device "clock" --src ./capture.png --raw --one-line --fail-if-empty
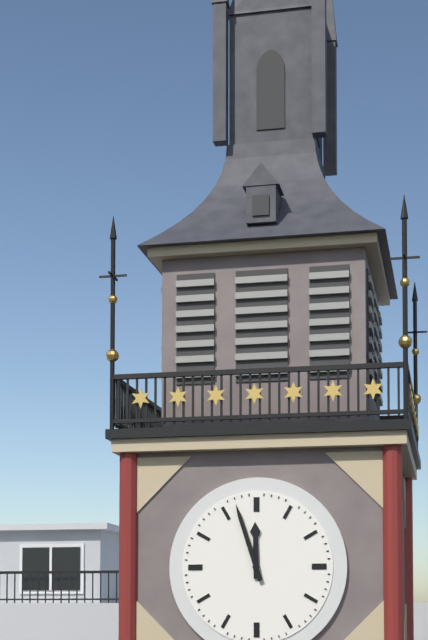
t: 11:57
